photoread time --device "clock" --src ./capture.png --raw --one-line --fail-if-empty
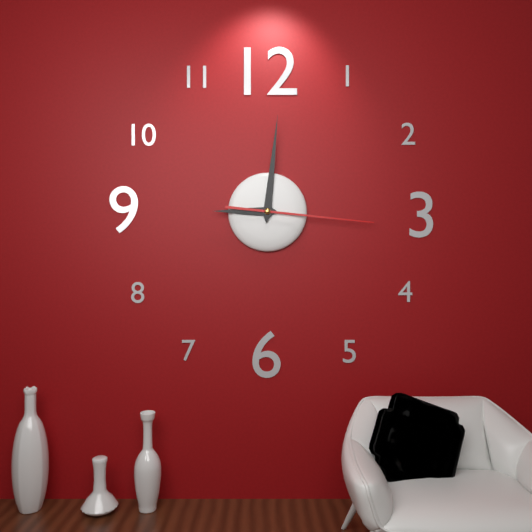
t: 9:01:16
